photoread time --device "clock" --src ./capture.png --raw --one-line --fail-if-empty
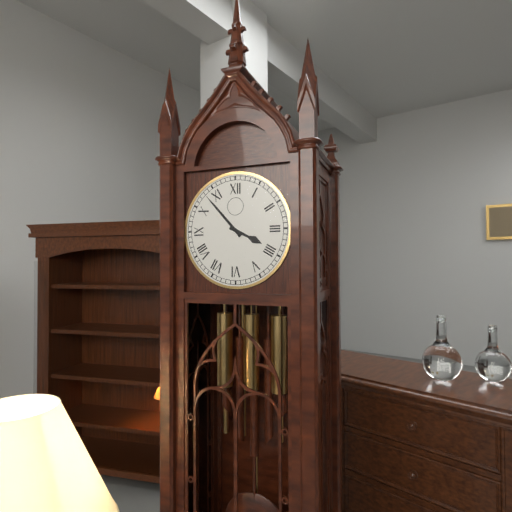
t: 3:53
